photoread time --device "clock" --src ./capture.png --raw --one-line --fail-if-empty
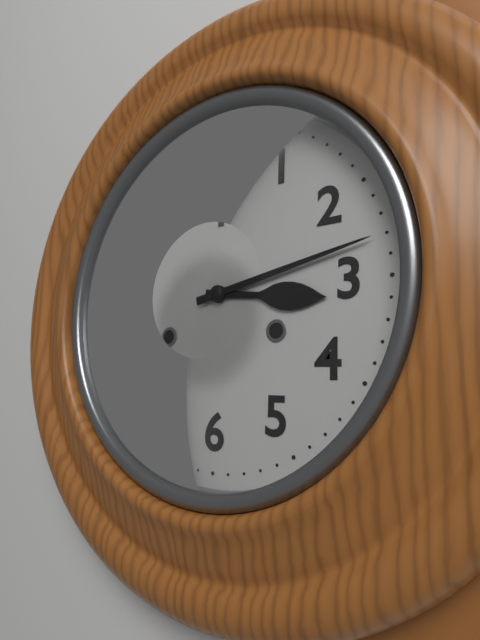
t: 3:13
